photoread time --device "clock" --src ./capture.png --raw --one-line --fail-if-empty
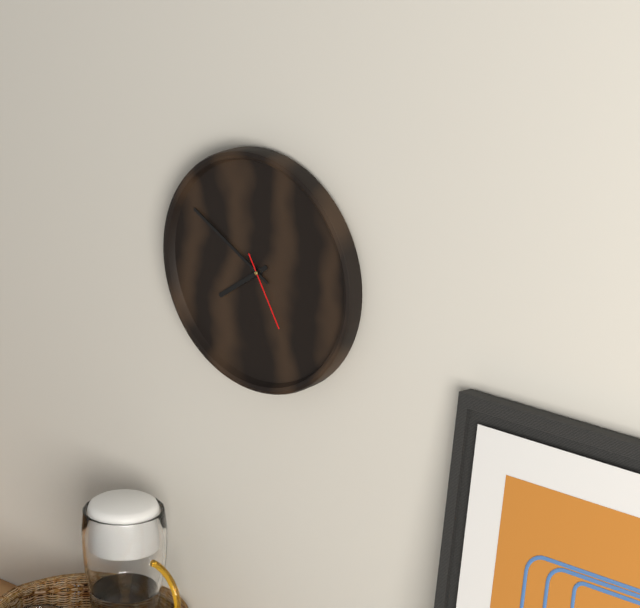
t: 7:50:25
